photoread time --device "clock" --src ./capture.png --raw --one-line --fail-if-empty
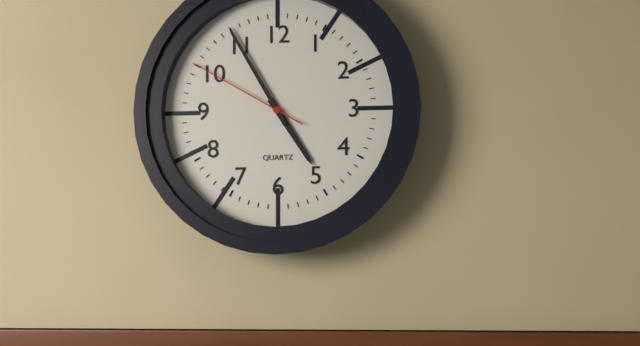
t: 4:55:50
